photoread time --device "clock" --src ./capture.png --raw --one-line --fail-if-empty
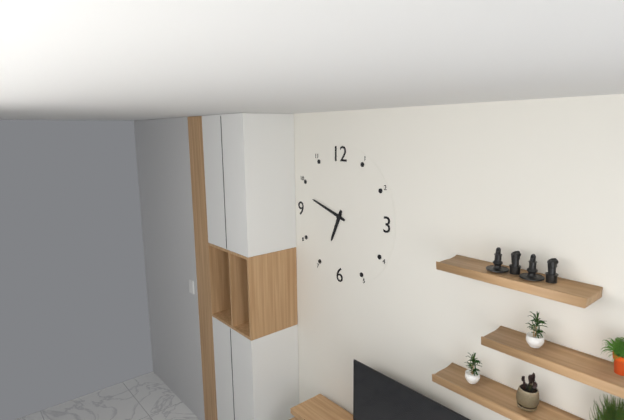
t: 6:48
